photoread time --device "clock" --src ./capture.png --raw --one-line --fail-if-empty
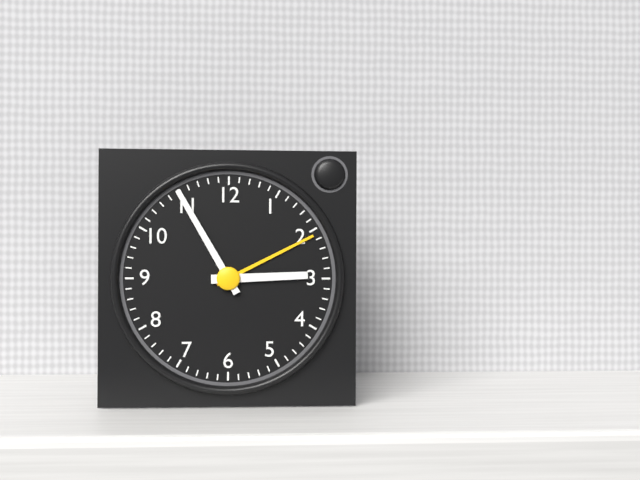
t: 2:55
